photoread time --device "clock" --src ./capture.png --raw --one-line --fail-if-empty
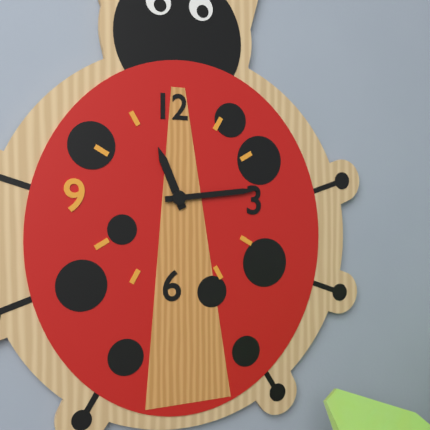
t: 11:14
